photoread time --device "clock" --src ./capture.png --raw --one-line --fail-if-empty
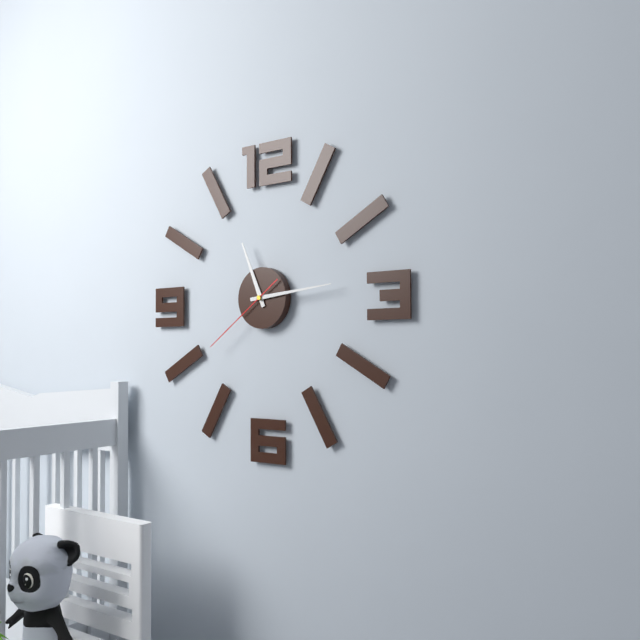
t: 11:14:39
